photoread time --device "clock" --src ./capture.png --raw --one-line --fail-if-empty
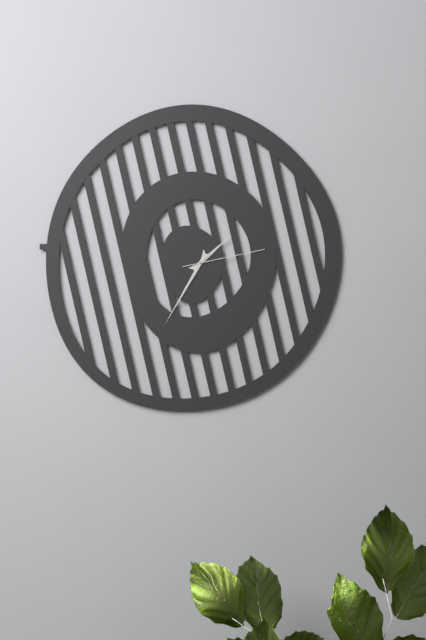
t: 1:35:13
